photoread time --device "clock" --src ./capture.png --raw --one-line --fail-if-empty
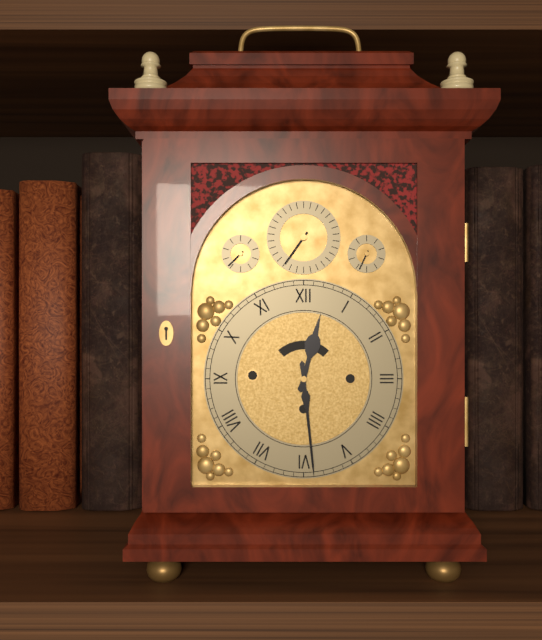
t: 12:29
